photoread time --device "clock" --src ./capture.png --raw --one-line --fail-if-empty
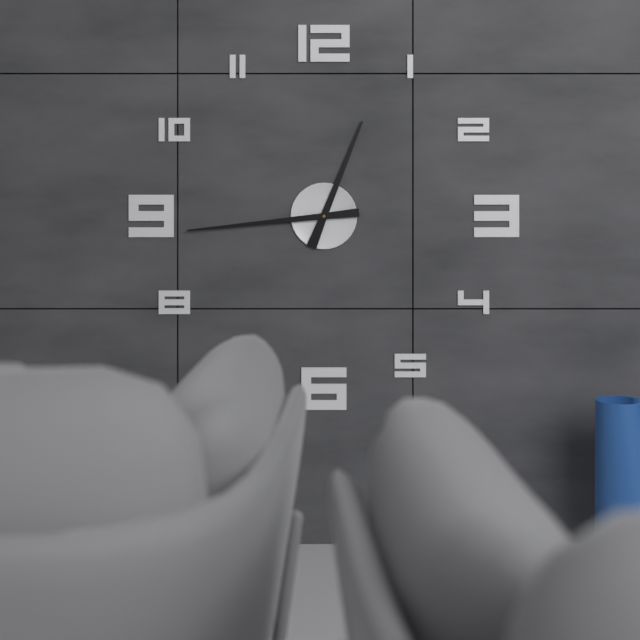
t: 12:44
